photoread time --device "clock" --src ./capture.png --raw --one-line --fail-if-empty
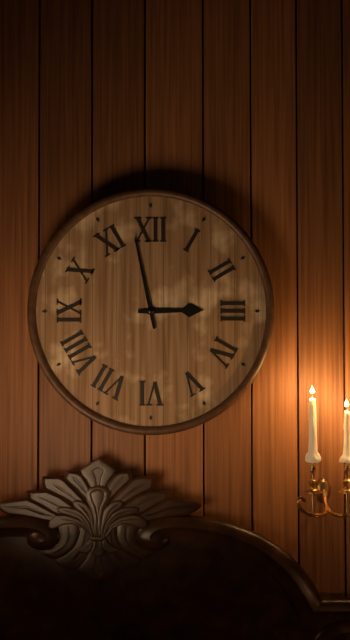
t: 2:58
